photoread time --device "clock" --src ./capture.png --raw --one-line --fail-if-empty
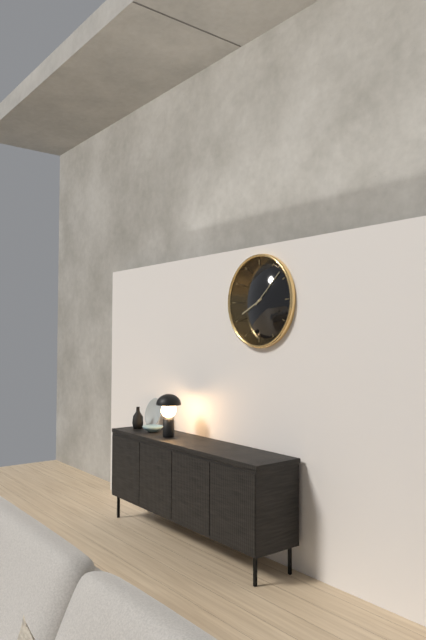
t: 8:08
